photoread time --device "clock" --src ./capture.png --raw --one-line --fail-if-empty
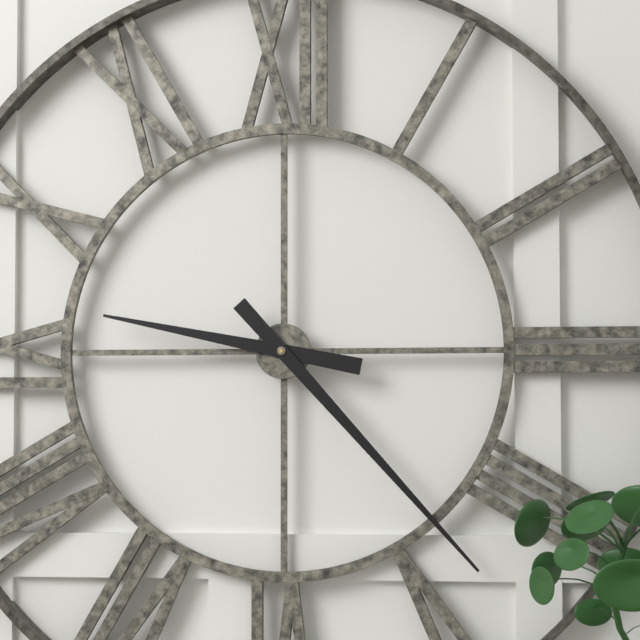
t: 9:23
